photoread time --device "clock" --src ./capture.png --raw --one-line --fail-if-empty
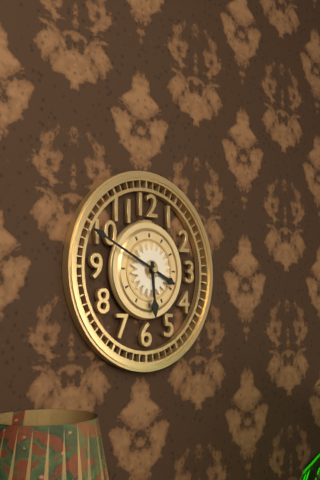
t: 5:49
